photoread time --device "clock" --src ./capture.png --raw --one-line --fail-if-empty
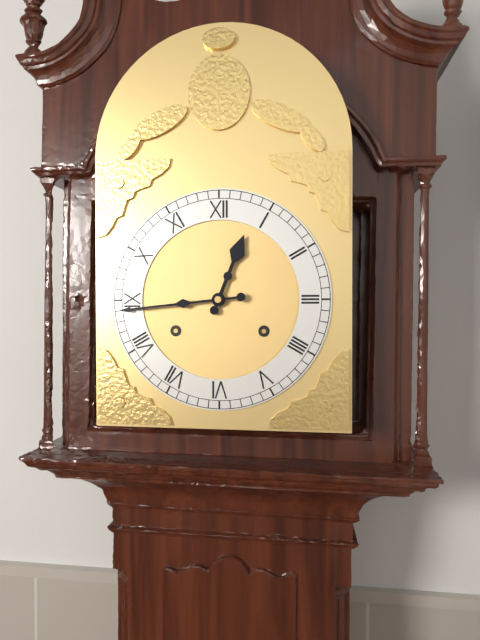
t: 12:44
